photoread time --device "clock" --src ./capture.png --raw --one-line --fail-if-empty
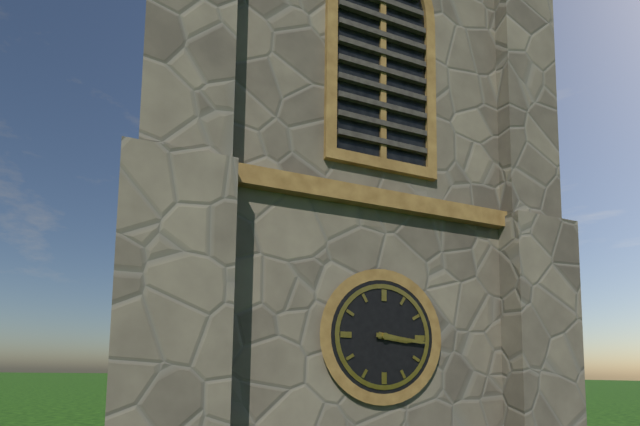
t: 3:16
